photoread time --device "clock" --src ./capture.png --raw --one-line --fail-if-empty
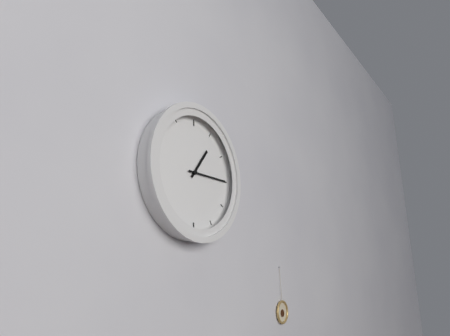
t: 1:15
